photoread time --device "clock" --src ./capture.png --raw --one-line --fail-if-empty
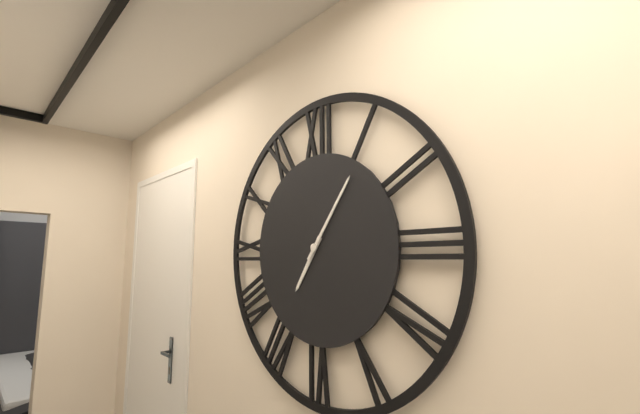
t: 7:06
